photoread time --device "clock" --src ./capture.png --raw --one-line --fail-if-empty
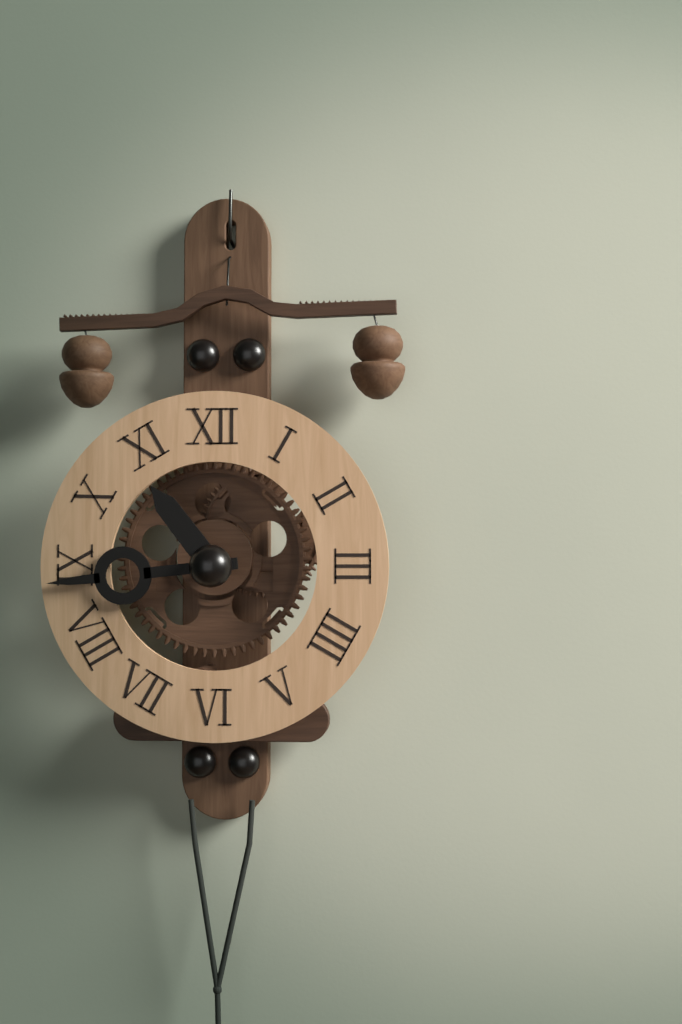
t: 10:44
